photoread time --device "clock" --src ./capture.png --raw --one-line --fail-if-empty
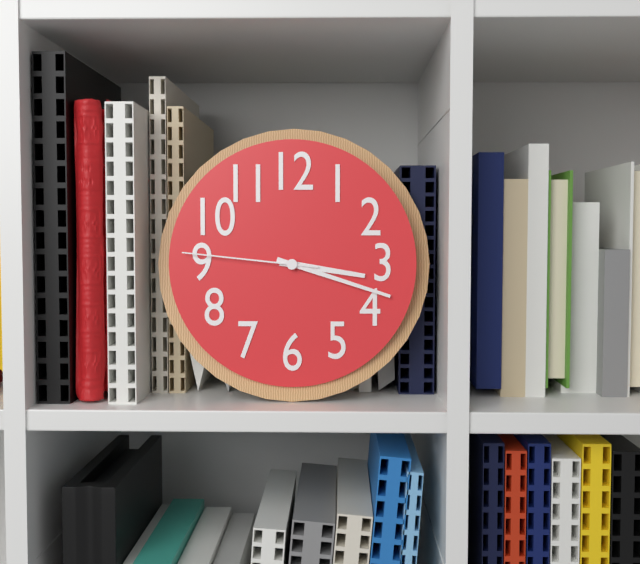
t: 3:18:46
